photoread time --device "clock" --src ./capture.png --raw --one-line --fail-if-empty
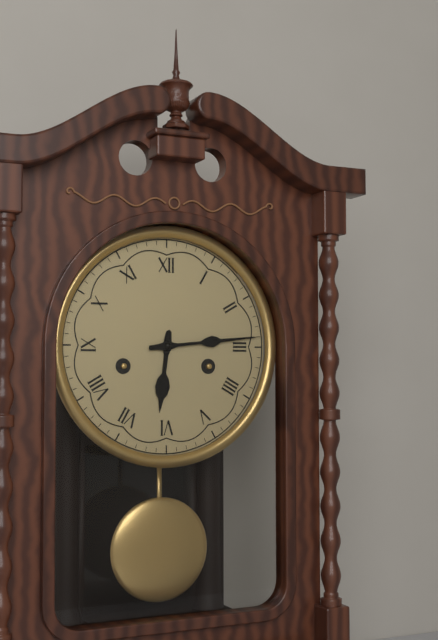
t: 6:14
